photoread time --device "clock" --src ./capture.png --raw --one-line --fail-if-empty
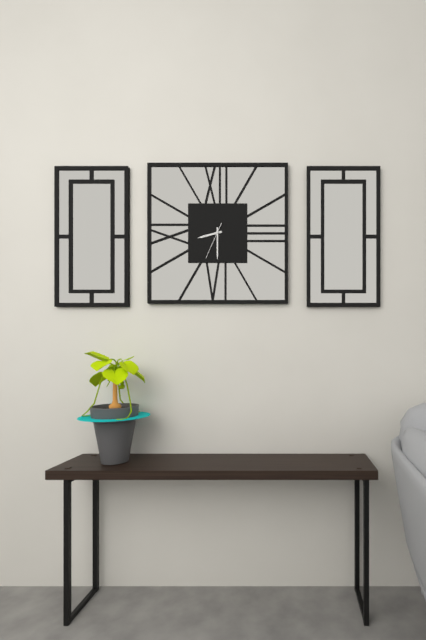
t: 8:30
